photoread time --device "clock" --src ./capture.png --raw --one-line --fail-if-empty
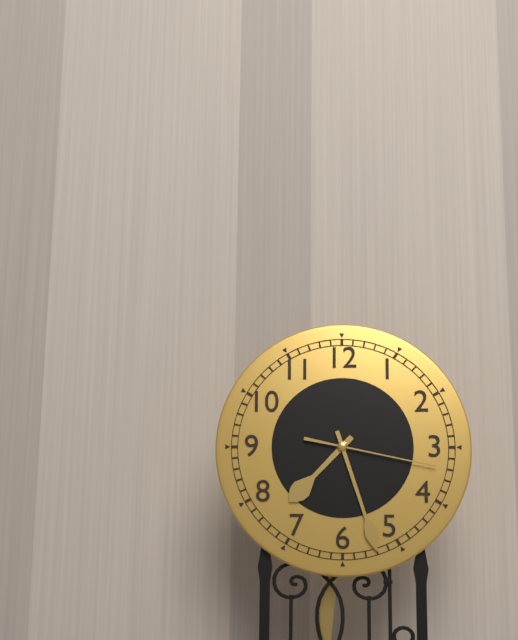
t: 7:27:17
